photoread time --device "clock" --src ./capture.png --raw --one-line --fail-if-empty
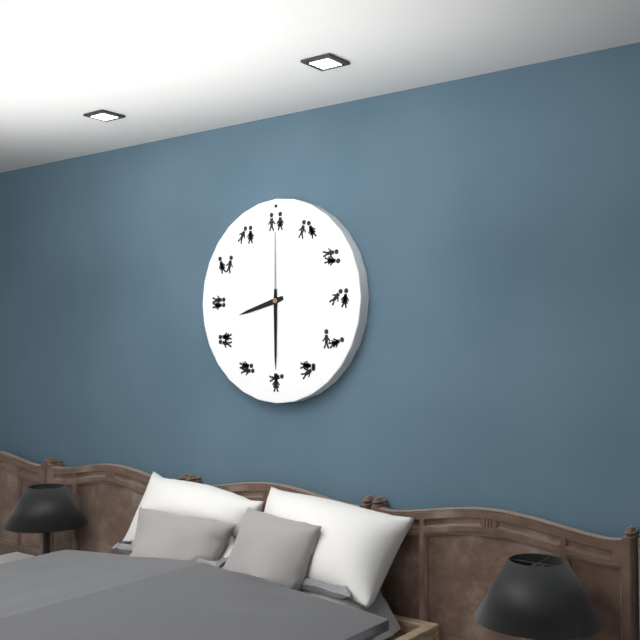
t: 8:30:00
